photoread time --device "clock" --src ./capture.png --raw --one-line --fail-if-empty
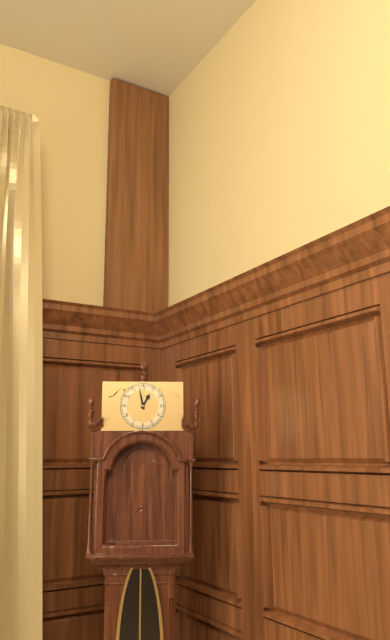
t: 12:58
